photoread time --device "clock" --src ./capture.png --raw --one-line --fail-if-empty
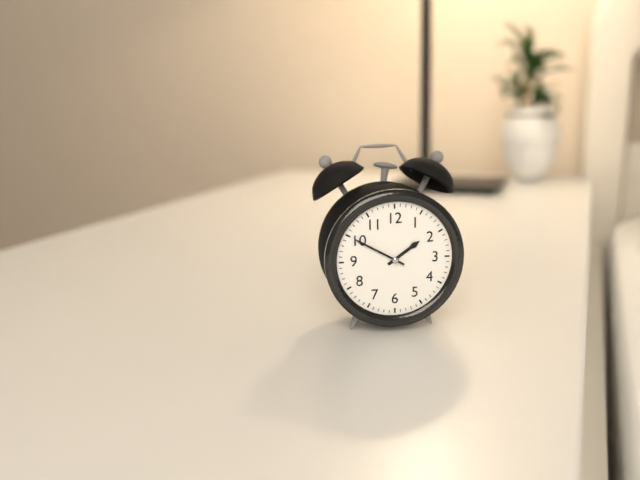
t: 1:50
